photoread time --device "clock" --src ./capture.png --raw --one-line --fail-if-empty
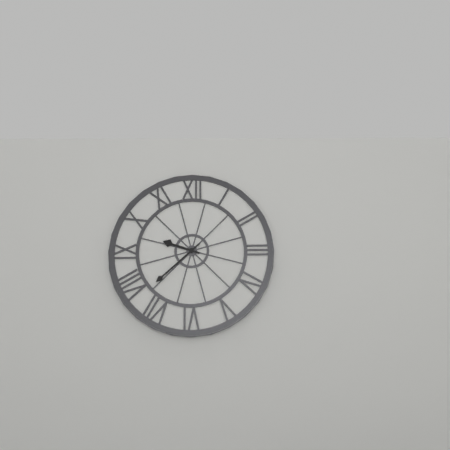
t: 9:38
